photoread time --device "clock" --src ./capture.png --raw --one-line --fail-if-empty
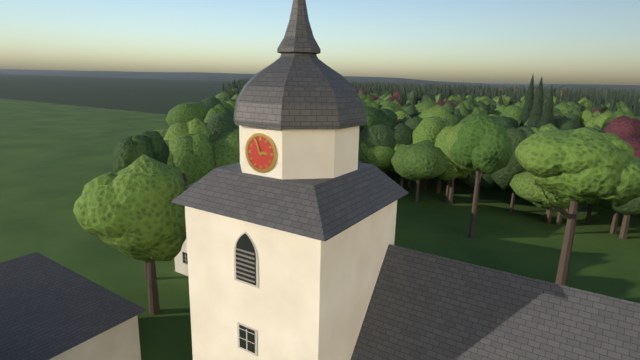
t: 2:56
